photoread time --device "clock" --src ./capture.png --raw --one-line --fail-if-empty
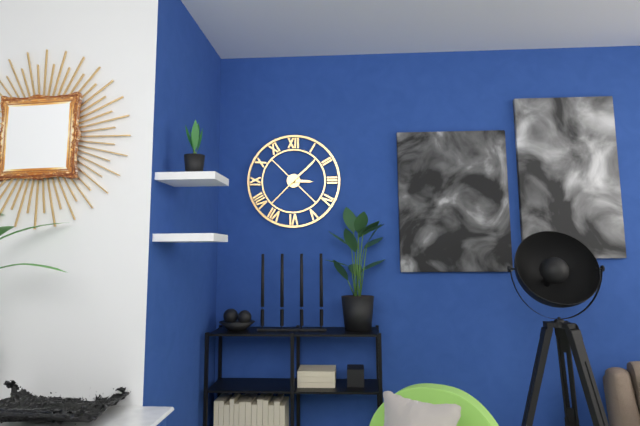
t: 3:08
